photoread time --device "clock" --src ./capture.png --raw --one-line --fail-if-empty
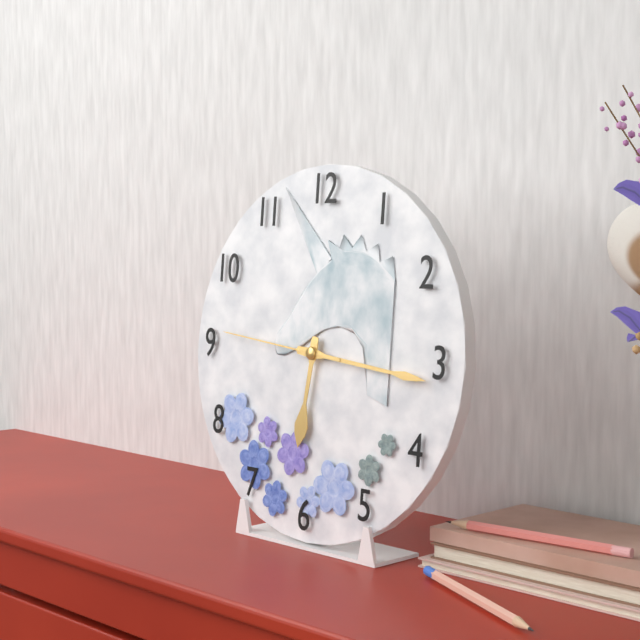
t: 6:16:46
